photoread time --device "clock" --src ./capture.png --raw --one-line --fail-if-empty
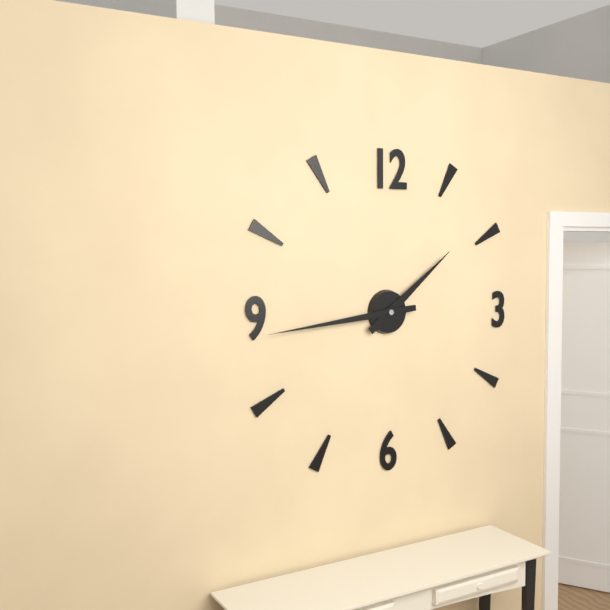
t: 1:44
